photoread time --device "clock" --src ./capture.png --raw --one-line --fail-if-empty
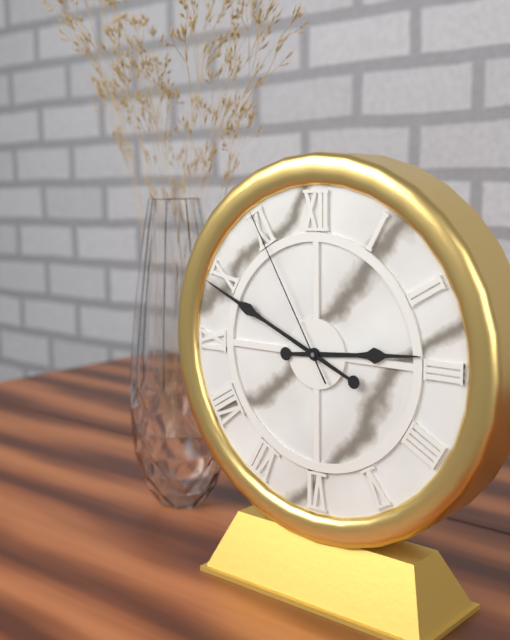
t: 2:49:55
